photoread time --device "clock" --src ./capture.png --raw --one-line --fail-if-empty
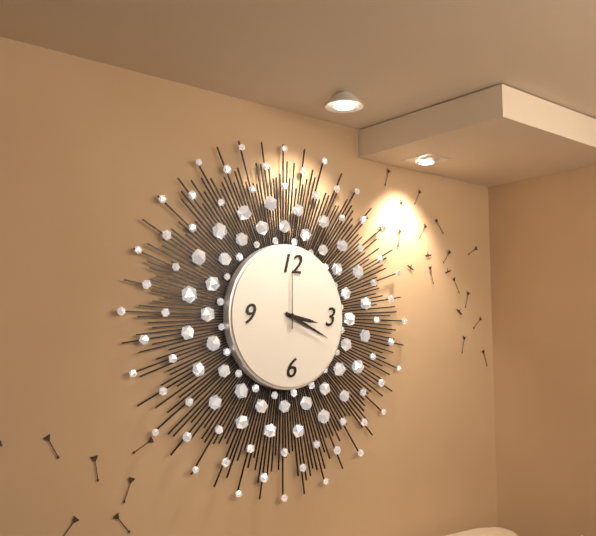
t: 3:19:00
